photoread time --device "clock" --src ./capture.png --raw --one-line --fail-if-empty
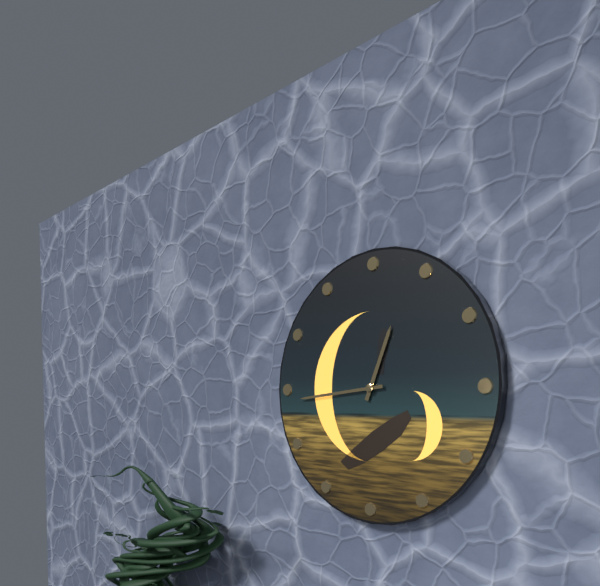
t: 12:44
